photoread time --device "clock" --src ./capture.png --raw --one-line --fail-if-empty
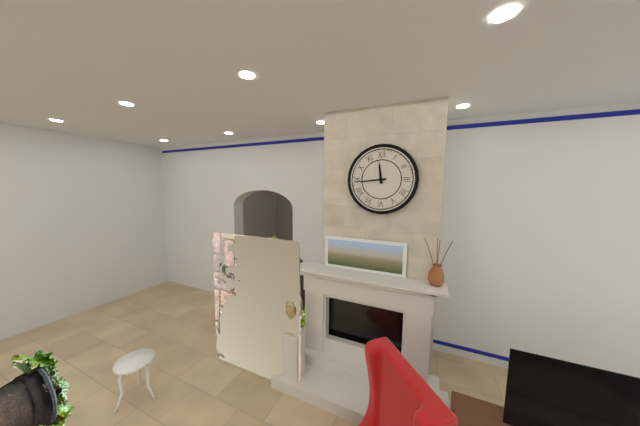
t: 11:44
